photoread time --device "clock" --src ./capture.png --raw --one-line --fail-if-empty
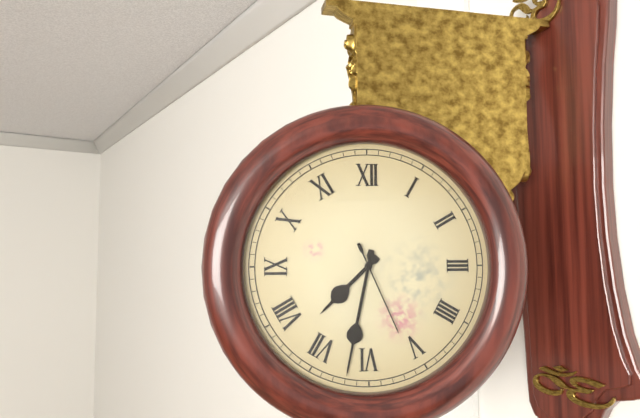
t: 7:32:26
